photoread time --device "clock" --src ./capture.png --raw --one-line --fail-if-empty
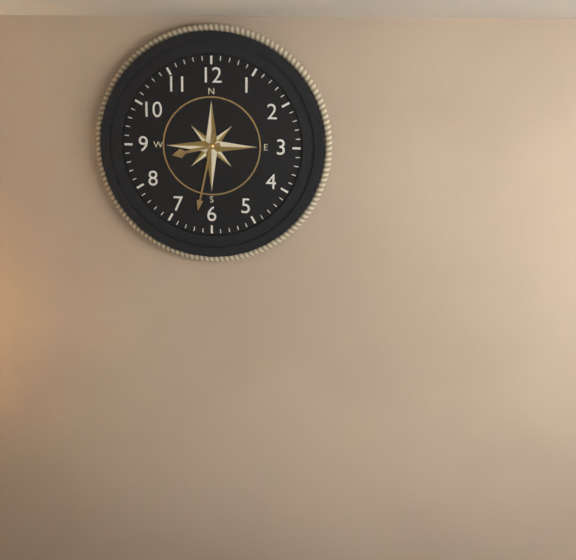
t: 8:32
